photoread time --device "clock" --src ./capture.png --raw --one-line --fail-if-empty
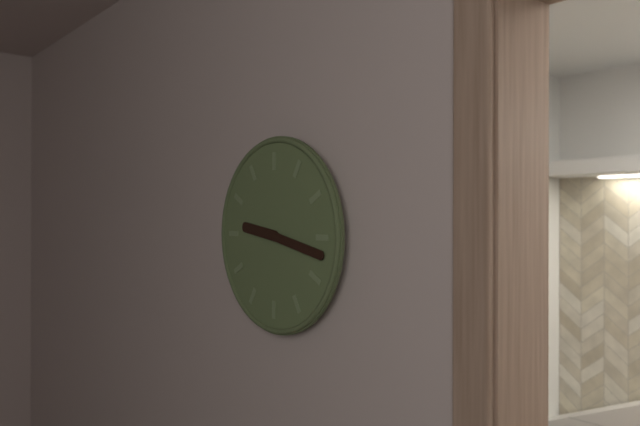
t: 9:17
